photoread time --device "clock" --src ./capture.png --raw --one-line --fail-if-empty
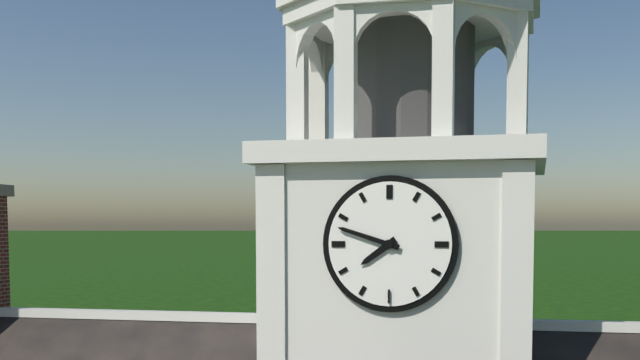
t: 7:48
